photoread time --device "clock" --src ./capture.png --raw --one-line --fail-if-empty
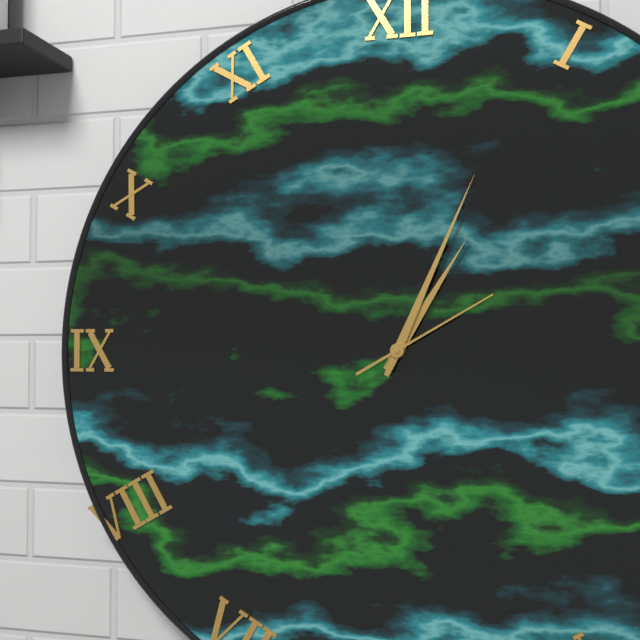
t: 1:04:10
